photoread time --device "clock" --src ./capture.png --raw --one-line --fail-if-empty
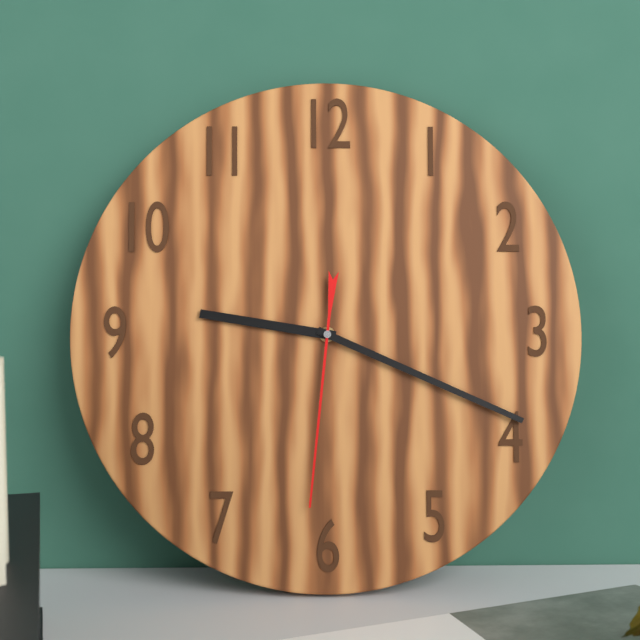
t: 9:19:31
